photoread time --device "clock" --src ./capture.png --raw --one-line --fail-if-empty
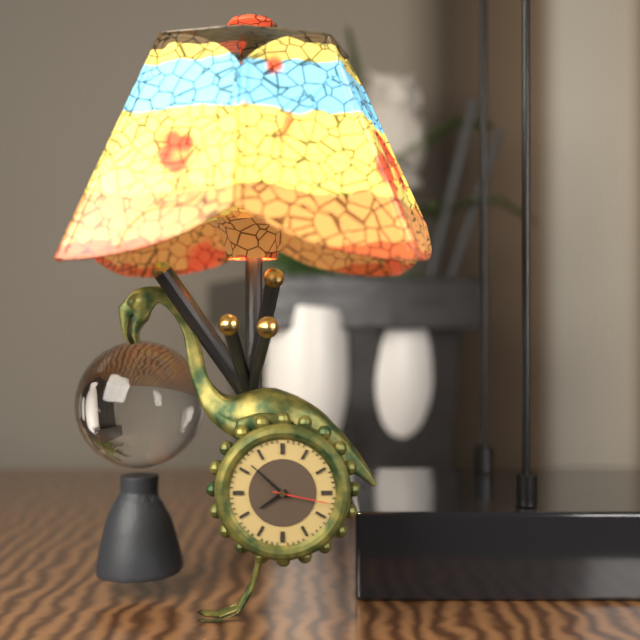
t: 7:52:17
